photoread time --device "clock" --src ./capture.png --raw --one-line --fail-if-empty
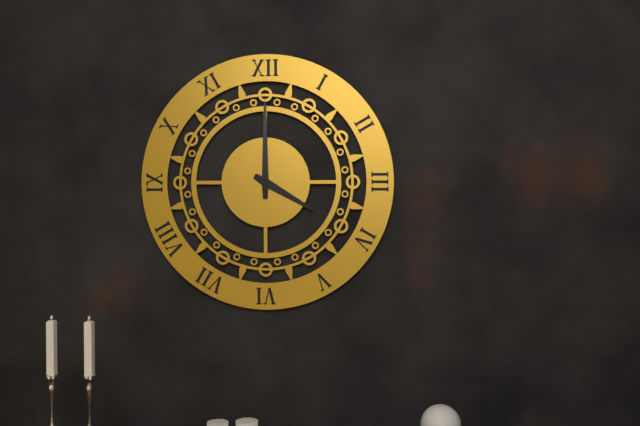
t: 4:00
